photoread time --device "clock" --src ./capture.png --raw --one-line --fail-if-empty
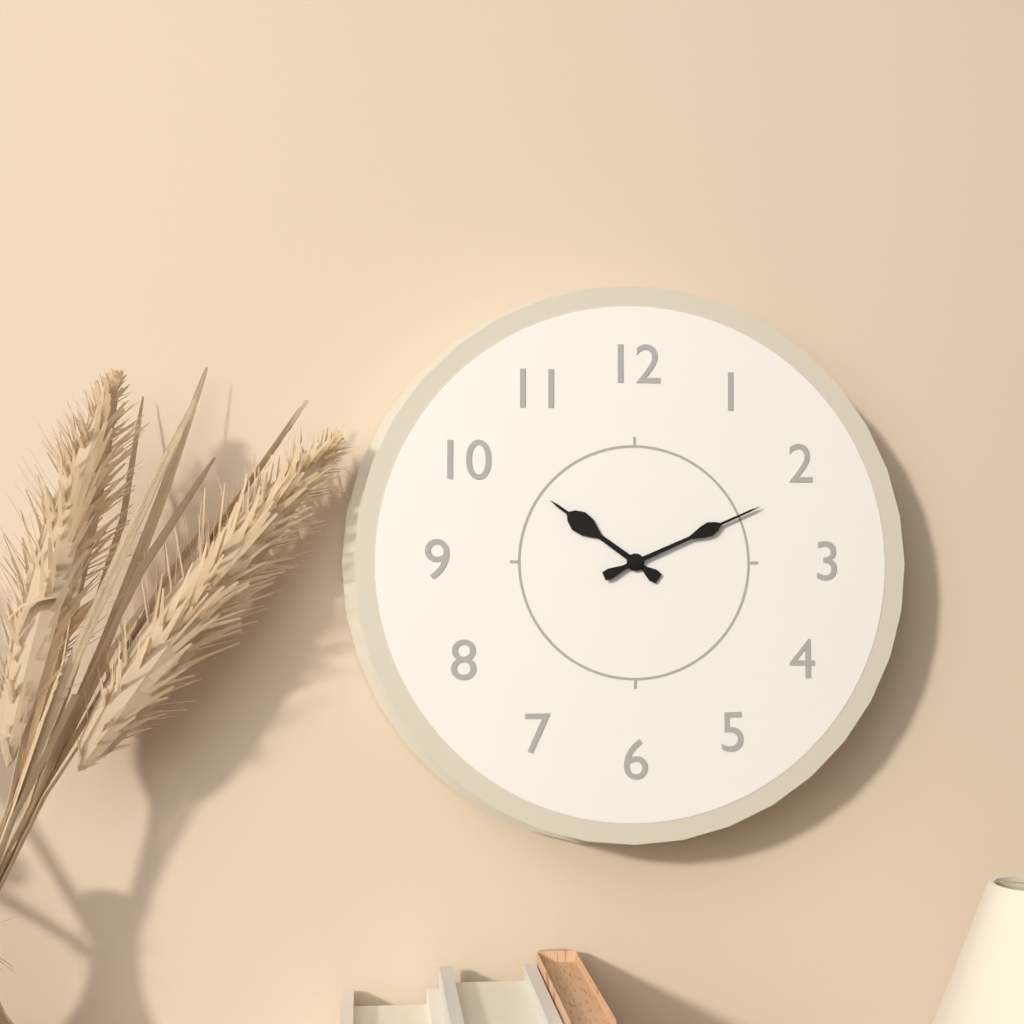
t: 10:11
